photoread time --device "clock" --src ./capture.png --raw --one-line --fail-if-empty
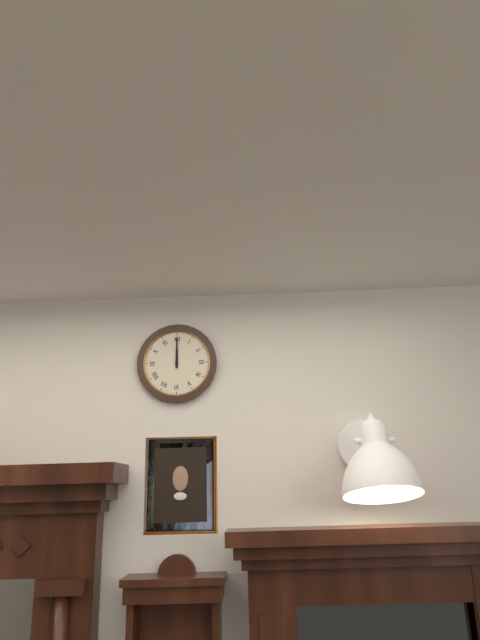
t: 12:00
